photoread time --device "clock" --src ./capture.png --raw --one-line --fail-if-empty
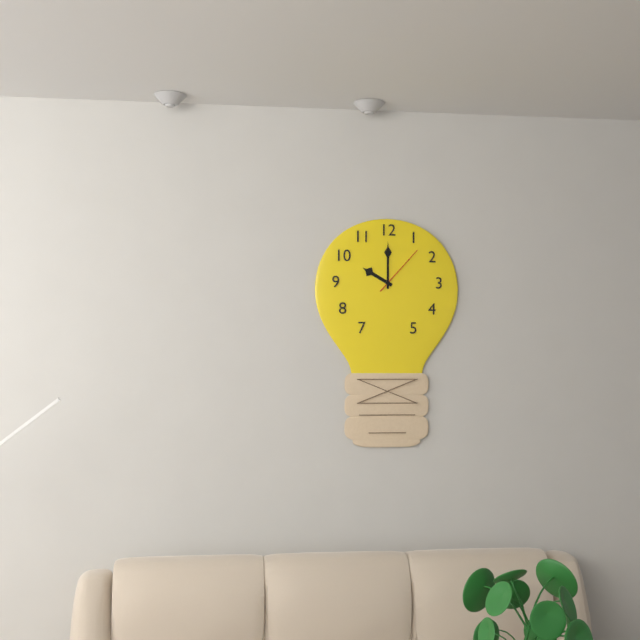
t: 10:00:07
